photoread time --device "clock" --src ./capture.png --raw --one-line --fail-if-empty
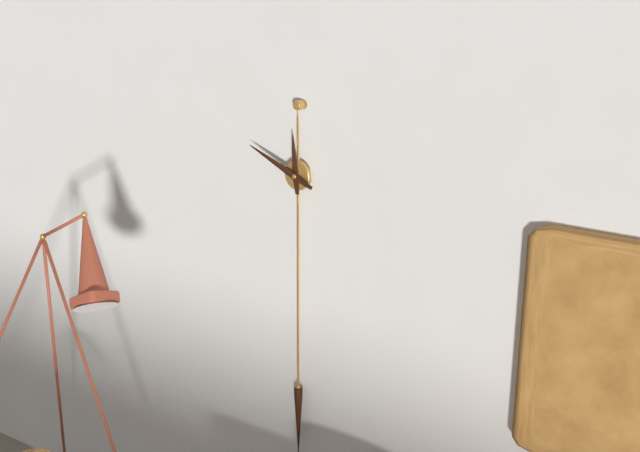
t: 11:49
